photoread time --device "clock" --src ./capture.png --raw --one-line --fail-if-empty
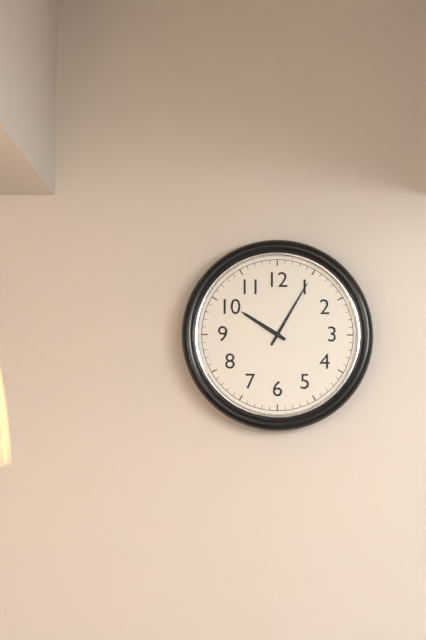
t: 10:05
